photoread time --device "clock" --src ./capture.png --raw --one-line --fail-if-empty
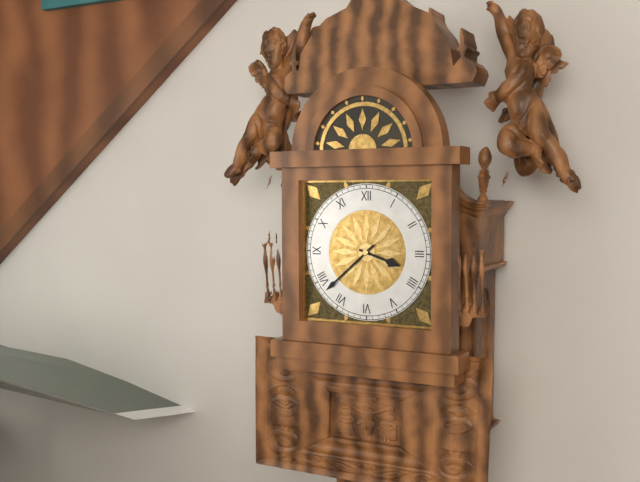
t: 3:38
